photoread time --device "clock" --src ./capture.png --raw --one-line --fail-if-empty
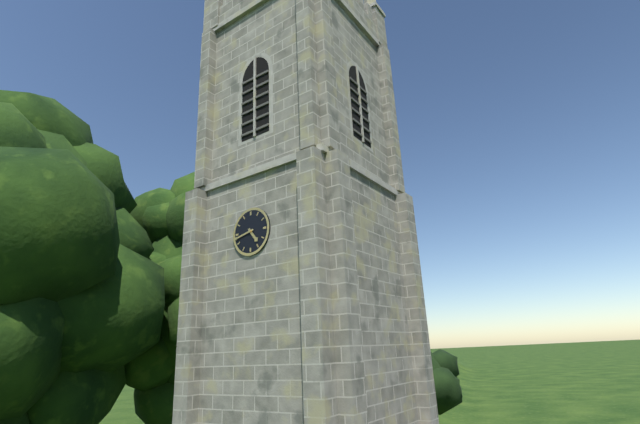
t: 4:43
